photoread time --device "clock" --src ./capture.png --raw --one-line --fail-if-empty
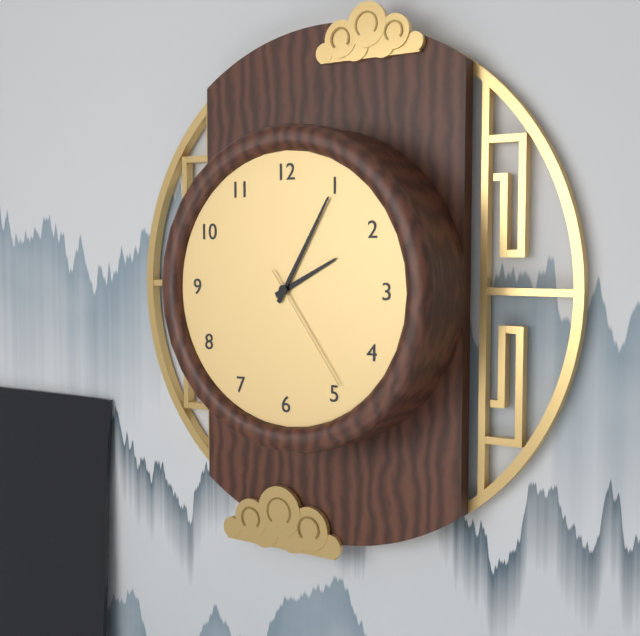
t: 2:05:24
